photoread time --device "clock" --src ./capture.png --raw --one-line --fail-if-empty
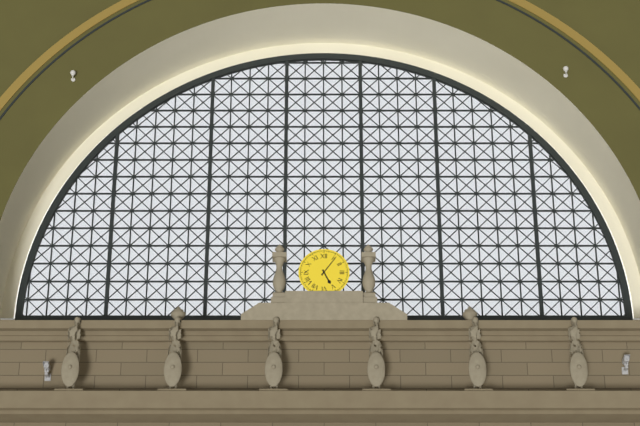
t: 5:06
